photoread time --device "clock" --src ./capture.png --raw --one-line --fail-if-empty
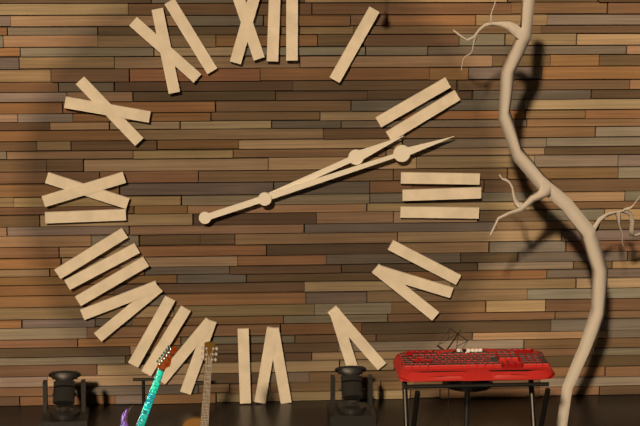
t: 2:12
